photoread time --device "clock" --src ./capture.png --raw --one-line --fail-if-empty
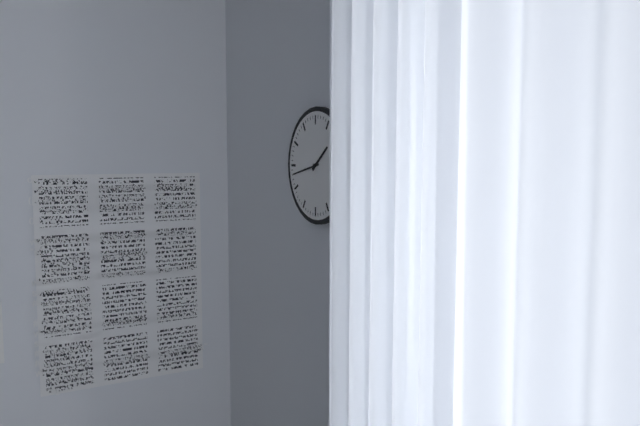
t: 1:43
